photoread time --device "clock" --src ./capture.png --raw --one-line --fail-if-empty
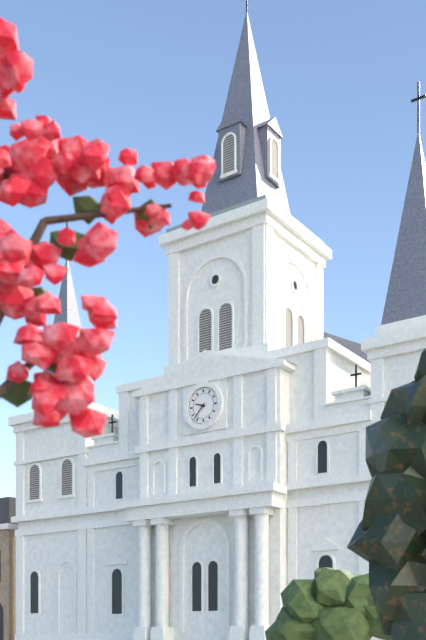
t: 9:37
